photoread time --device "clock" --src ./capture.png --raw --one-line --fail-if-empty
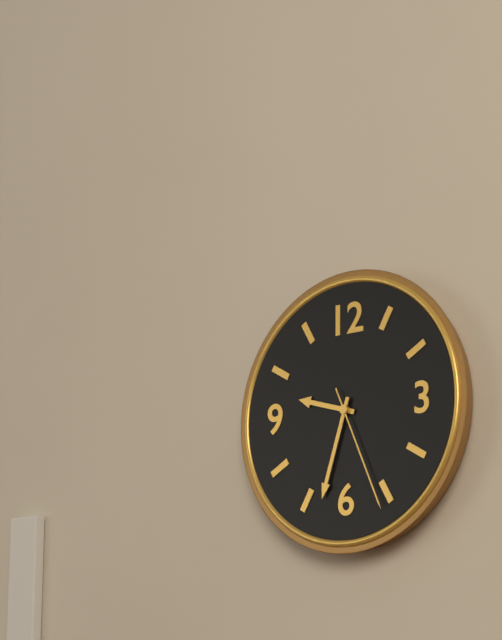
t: 9:33:26
